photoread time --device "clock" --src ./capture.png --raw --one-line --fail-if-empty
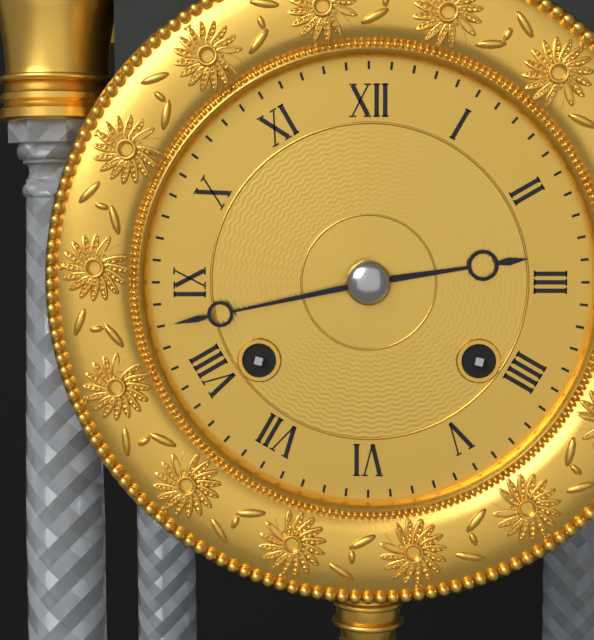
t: 2:43
